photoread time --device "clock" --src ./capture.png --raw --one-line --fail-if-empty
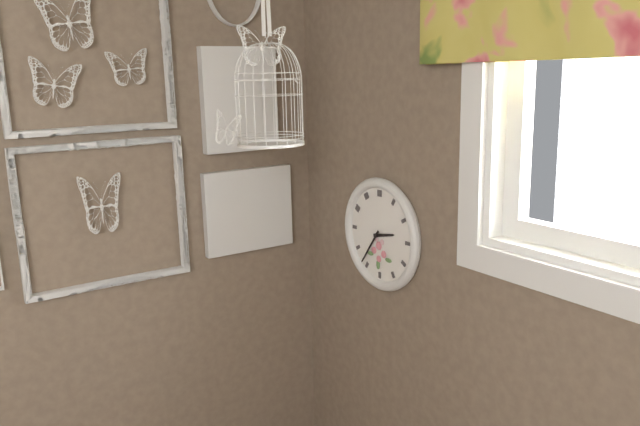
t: 2:36
